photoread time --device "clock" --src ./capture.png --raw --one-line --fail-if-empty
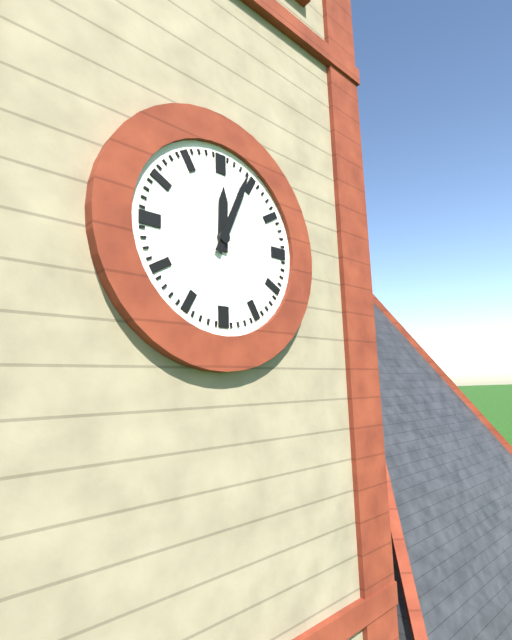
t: 12:04
